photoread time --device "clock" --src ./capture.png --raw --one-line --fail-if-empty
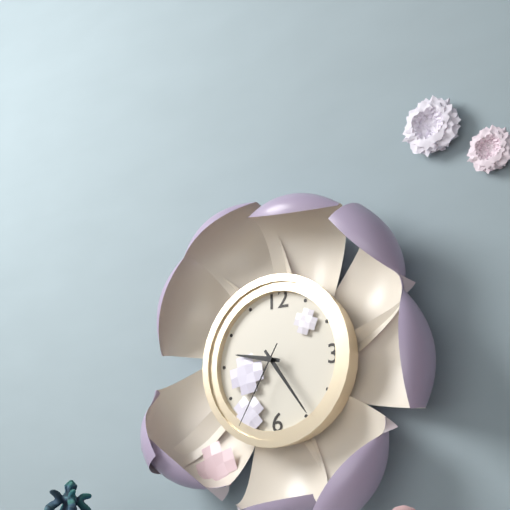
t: 9:24:35
